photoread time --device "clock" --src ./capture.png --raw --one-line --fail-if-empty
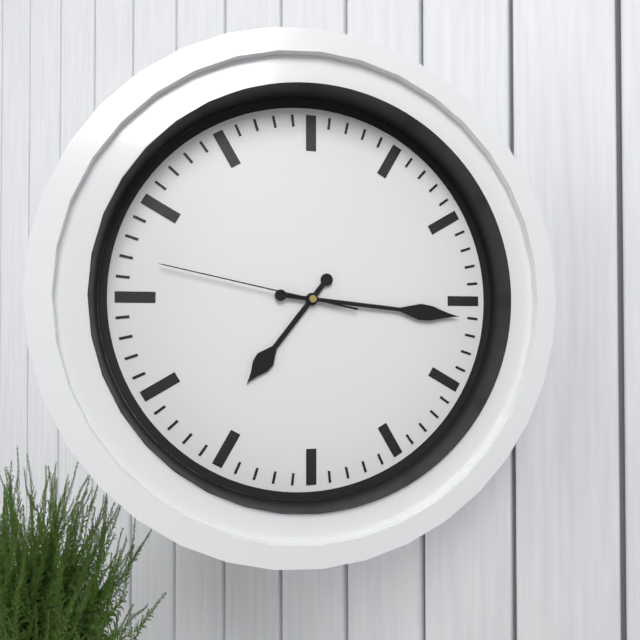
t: 7:16:47
